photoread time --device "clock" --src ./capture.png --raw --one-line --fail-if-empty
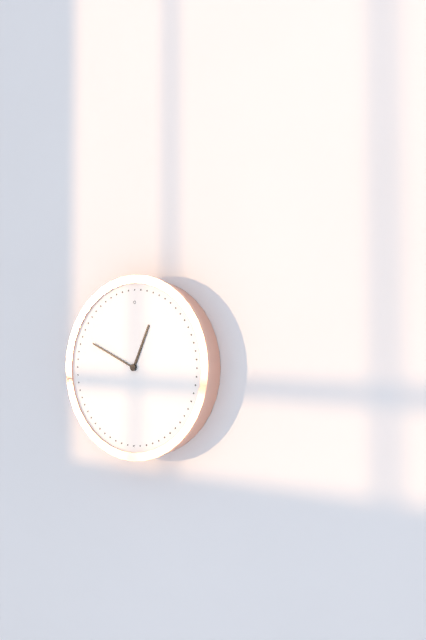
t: 12:49
